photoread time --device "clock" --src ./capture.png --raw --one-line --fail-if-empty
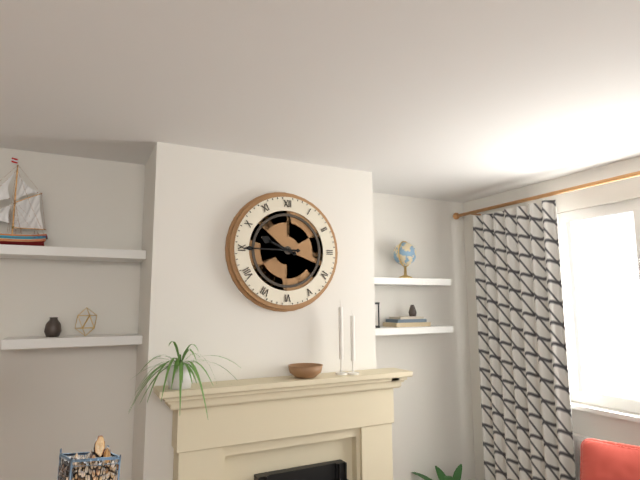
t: 9:45
